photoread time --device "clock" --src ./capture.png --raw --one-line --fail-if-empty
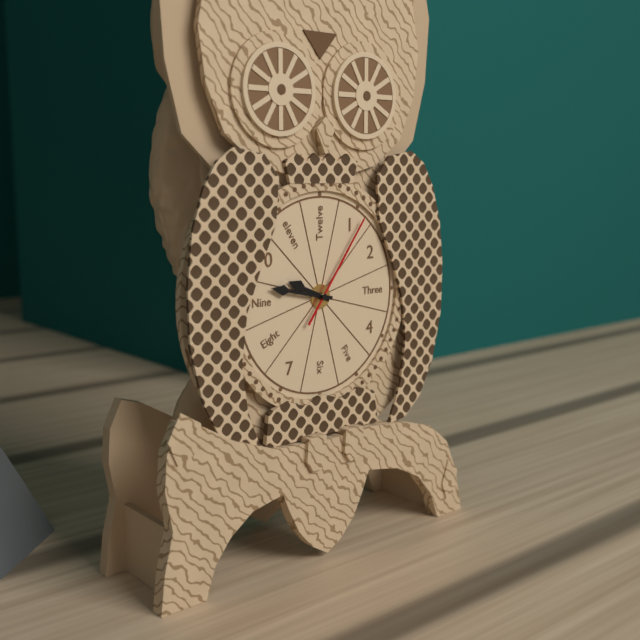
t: 9:47:06
